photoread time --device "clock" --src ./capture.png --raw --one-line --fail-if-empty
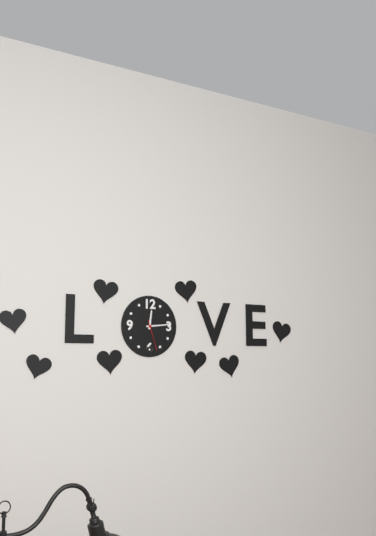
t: 12:14
